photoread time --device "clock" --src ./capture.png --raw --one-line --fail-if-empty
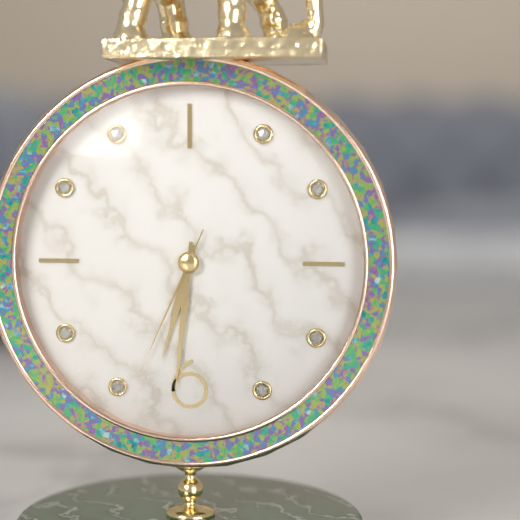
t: 6:31:34
